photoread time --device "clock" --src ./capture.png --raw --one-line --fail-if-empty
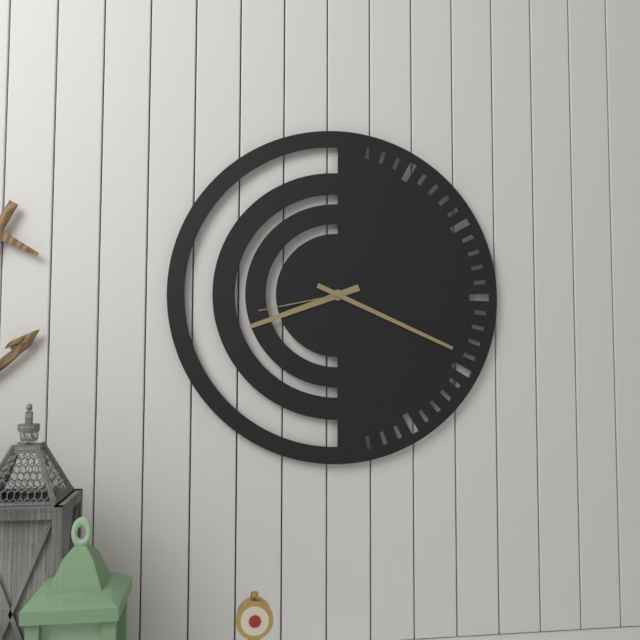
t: 8:19:43
